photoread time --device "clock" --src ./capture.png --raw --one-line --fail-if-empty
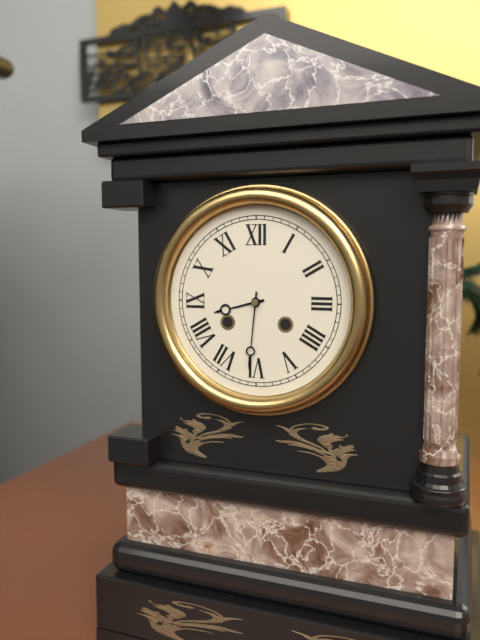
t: 8:31
